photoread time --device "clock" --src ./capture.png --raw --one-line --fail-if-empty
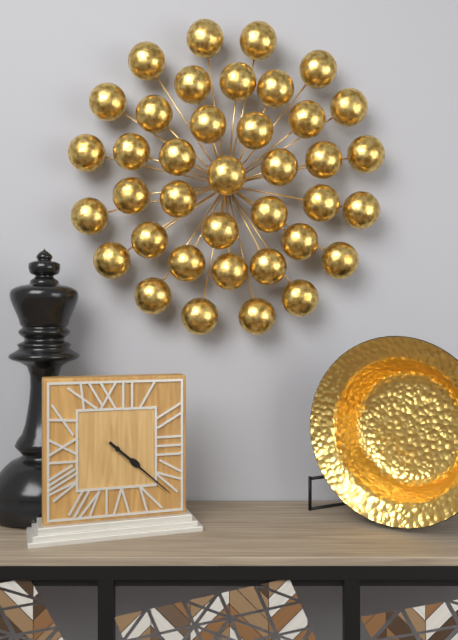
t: 4:22
